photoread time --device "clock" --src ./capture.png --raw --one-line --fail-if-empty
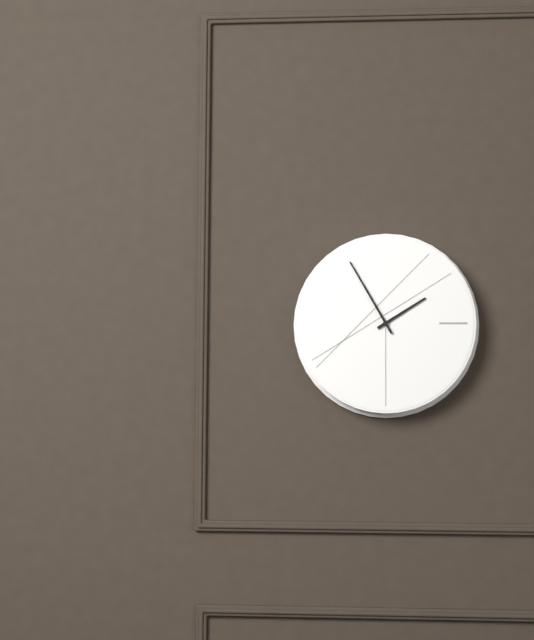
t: 1:55
